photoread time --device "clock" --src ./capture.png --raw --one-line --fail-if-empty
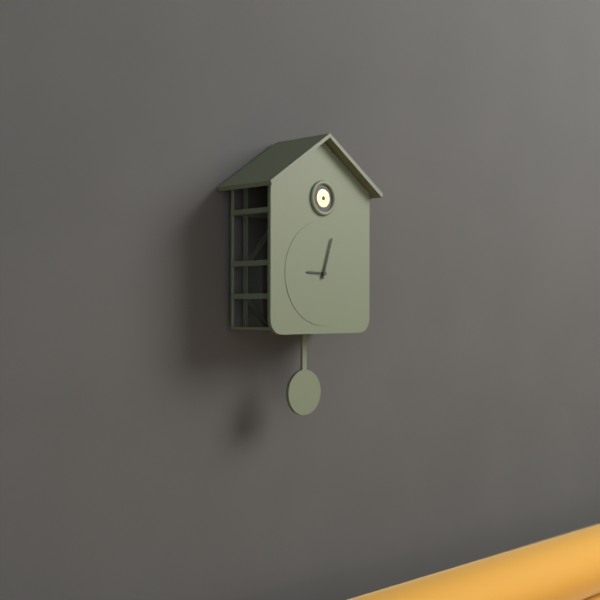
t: 9:03
